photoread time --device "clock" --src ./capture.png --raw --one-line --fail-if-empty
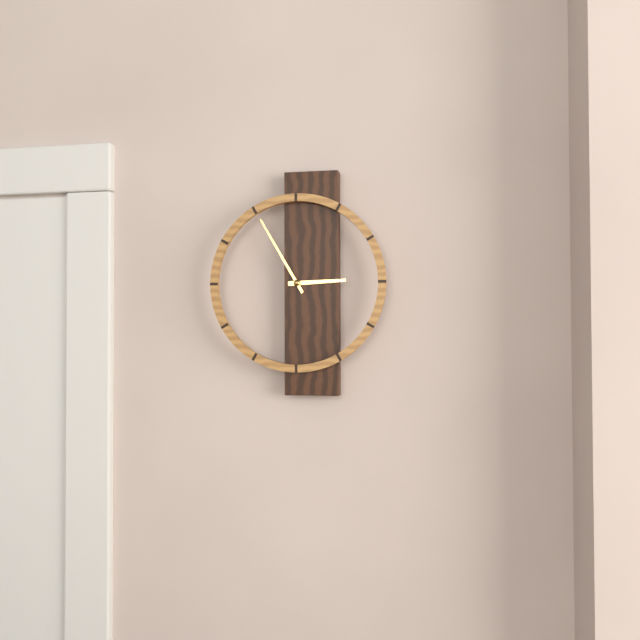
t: 2:55
